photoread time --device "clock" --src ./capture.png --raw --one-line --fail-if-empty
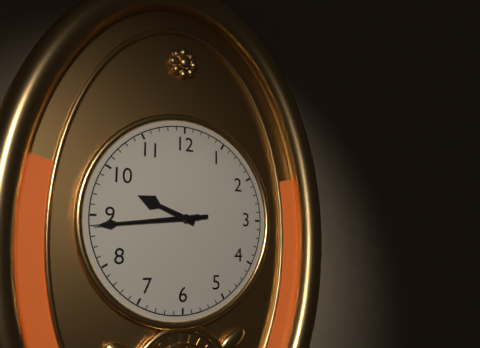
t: 9:44:44
